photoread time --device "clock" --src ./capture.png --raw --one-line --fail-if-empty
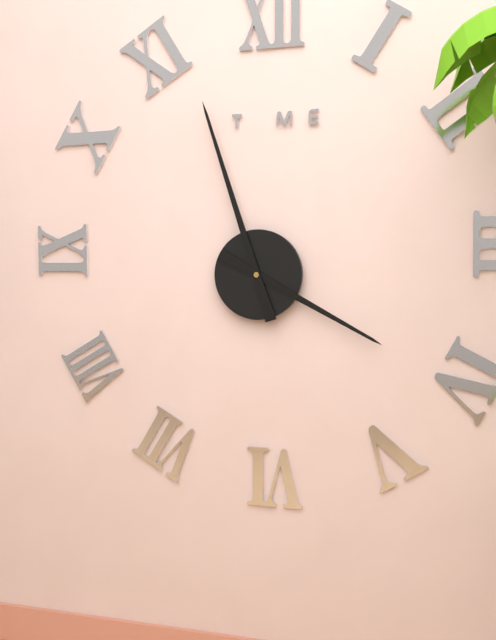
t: 3:57
